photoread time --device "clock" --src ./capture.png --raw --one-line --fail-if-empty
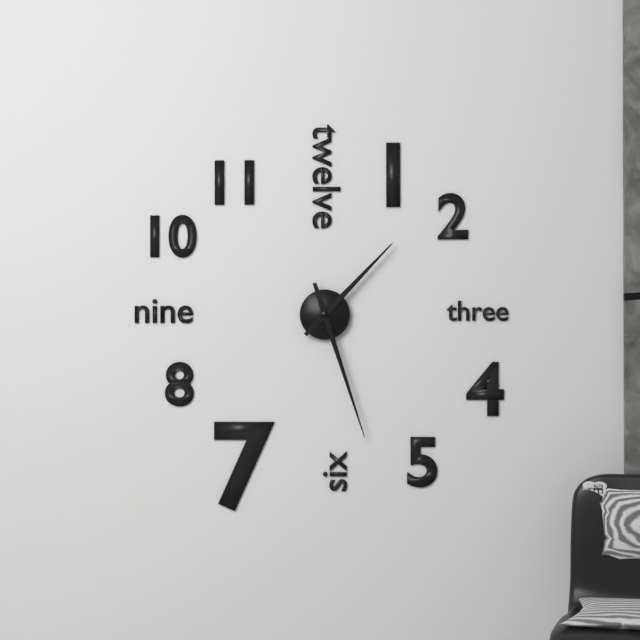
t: 1:27
